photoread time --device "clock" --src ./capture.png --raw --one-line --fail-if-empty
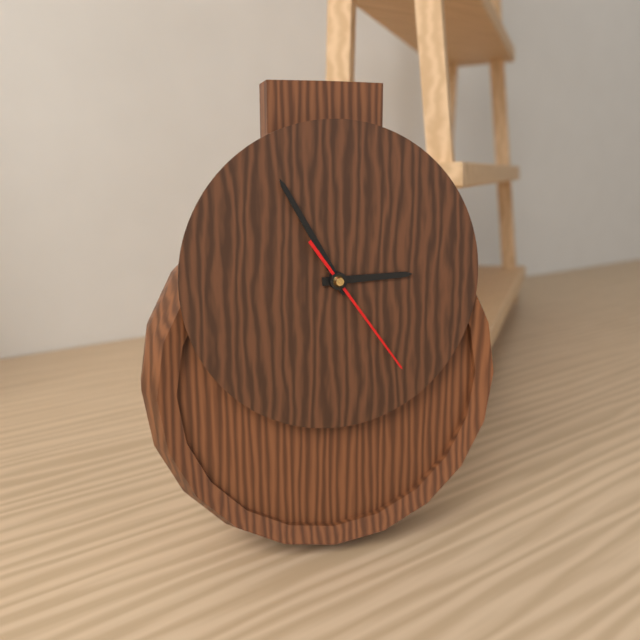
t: 2:55:24
